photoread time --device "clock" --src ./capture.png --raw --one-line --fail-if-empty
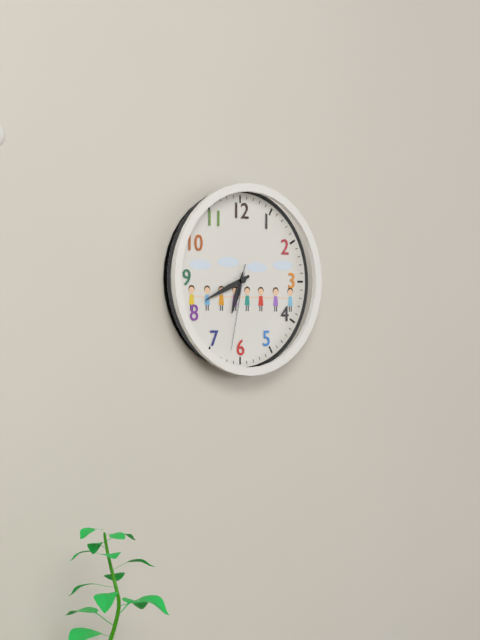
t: 6:41:32
